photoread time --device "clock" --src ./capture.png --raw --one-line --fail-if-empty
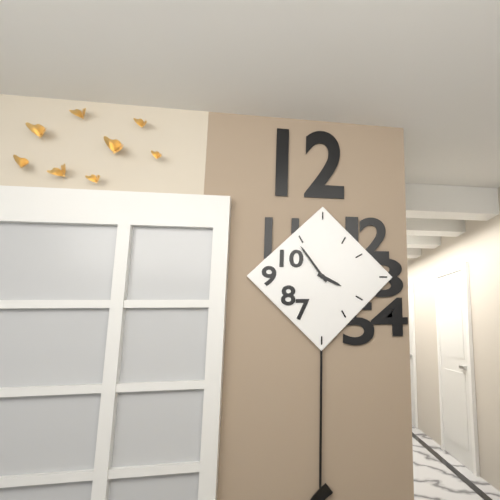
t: 3:54
